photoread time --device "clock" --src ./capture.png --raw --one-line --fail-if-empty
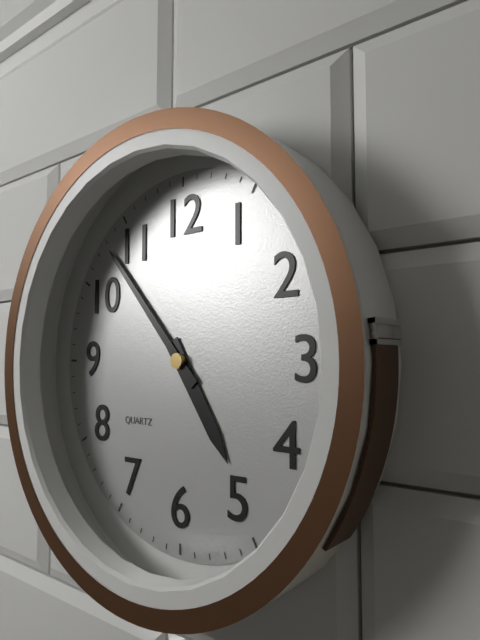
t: 4:53
